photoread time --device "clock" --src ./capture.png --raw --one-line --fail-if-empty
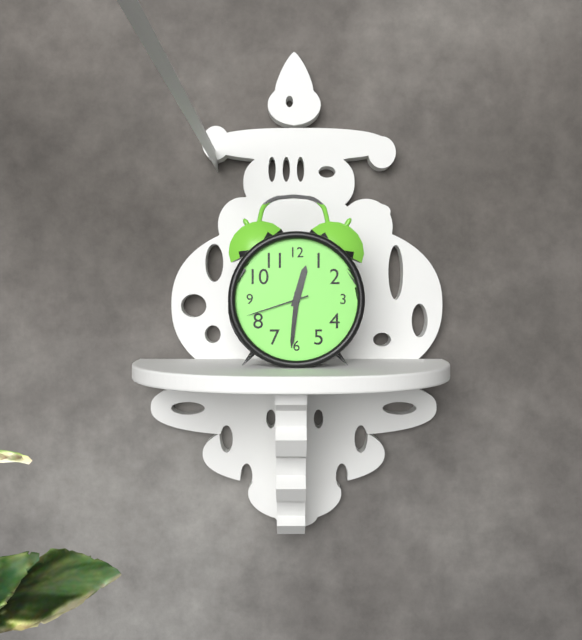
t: 12:31:42
